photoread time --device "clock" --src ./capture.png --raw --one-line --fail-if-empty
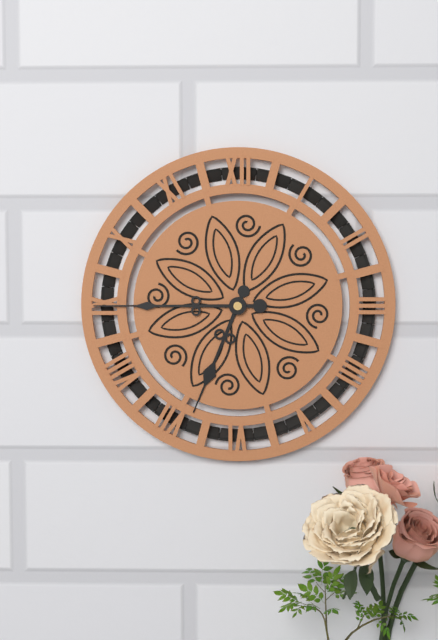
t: 6:45
